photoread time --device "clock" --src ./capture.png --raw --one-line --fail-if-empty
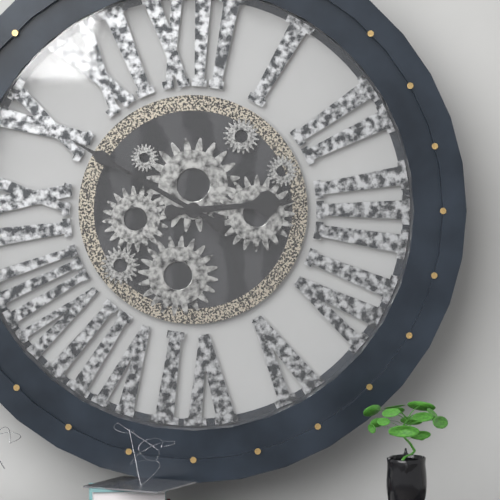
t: 2:50
